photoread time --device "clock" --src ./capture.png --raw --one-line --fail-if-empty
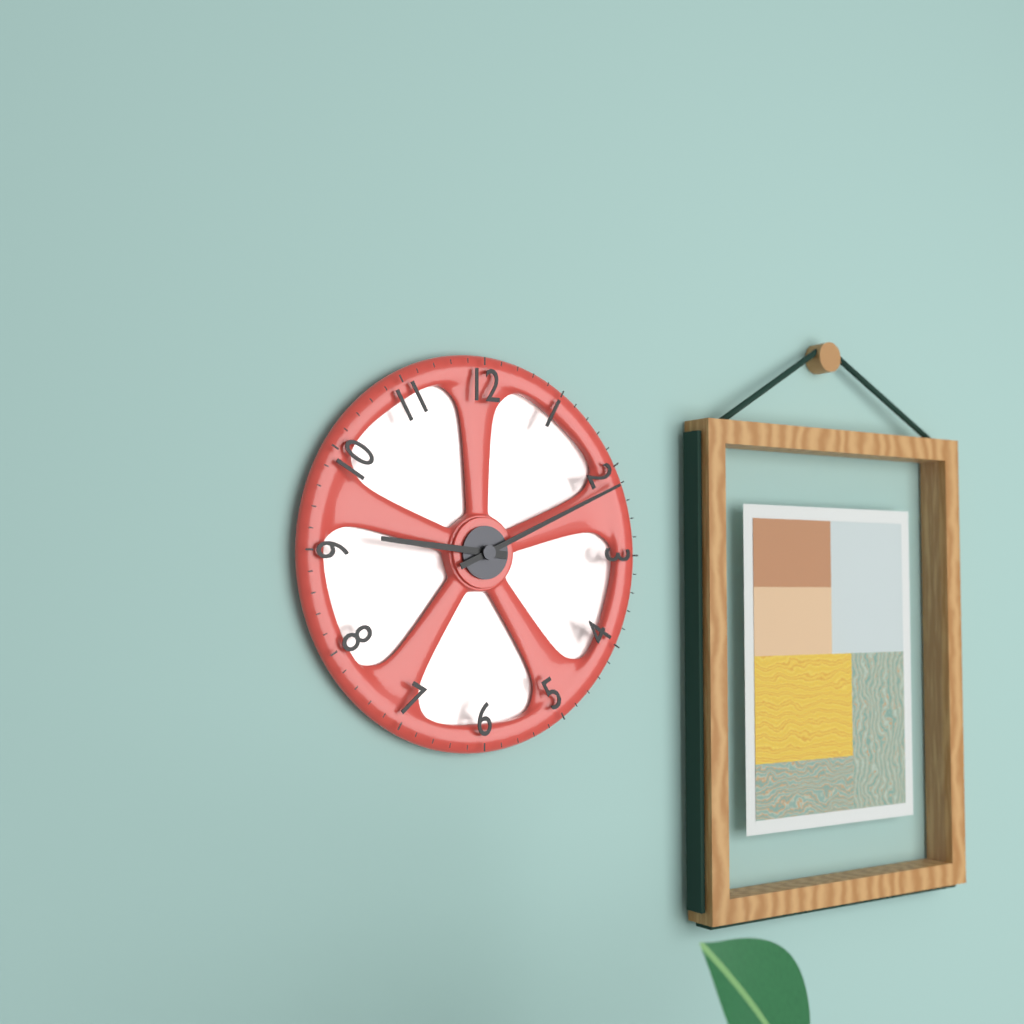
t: 9:11
